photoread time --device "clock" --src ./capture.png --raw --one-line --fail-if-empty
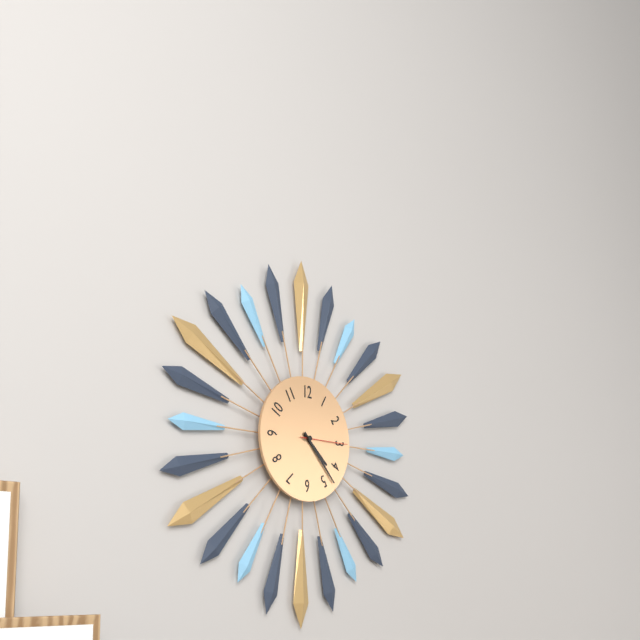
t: 4:23
